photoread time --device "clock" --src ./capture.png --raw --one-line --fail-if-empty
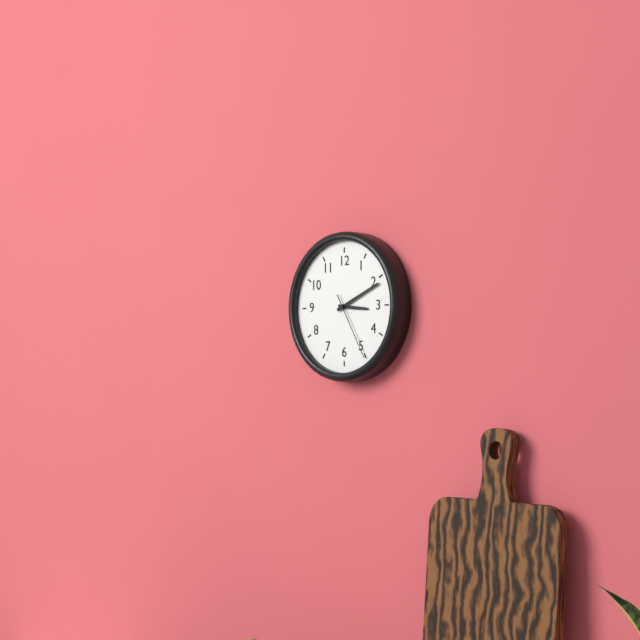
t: 3:11:25
